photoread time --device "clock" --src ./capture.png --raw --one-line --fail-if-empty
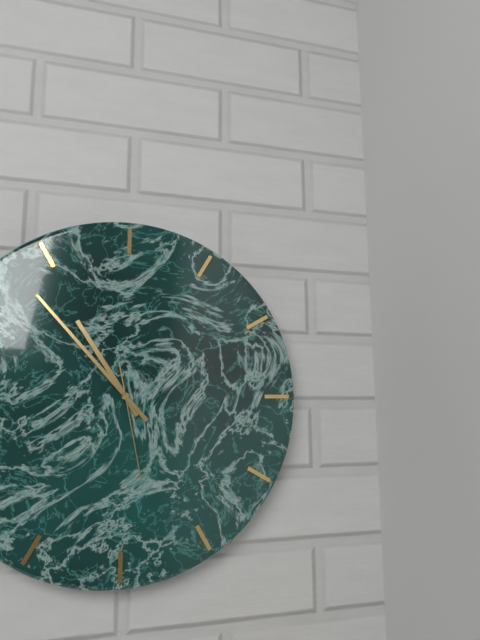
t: 10:53:28
